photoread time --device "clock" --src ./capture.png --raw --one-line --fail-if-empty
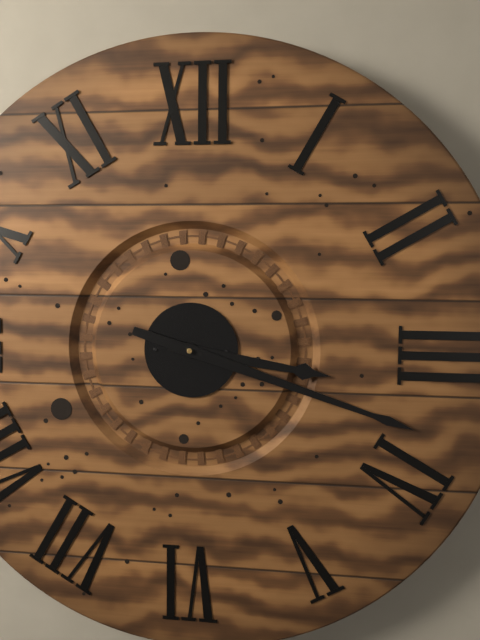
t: 3:18
